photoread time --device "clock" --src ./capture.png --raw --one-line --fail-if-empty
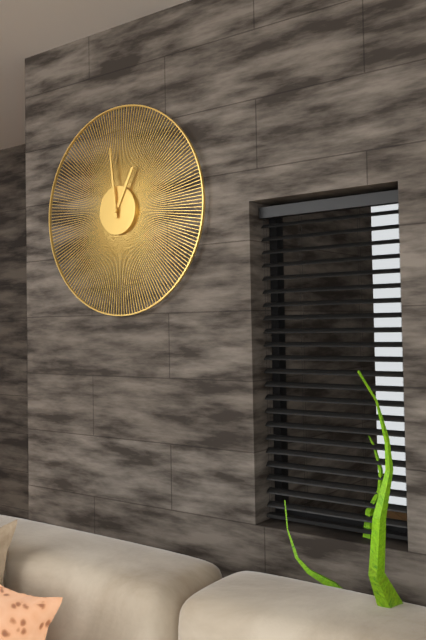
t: 12:59
